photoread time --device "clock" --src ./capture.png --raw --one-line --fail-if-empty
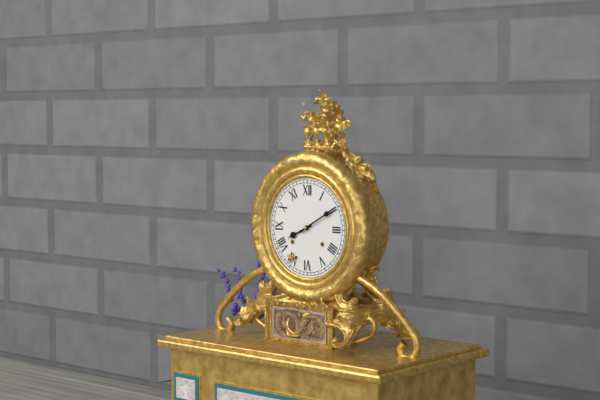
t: 8:10
